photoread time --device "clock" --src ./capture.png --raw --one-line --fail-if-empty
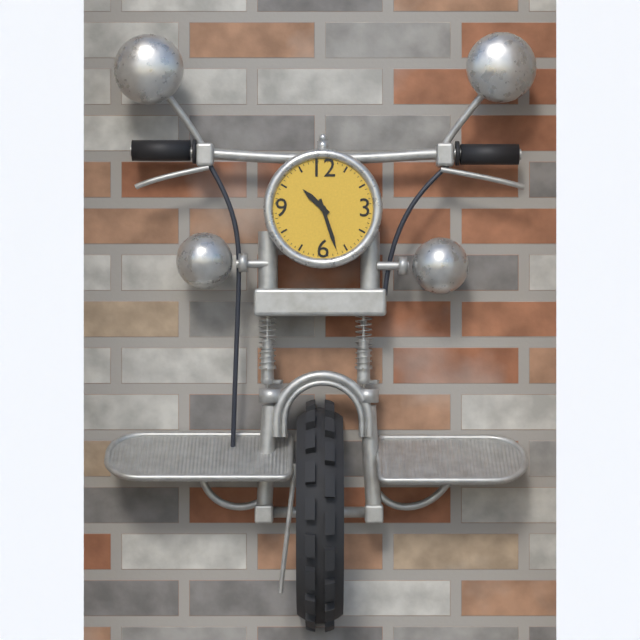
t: 10:27
